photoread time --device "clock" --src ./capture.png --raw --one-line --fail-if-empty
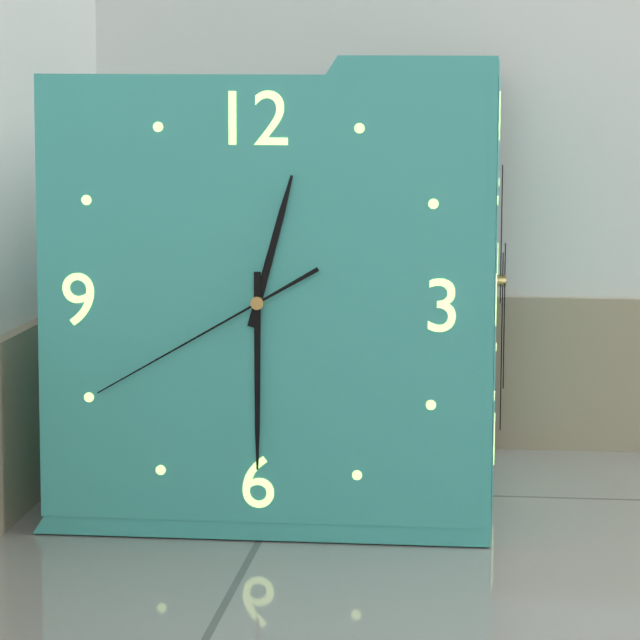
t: 12:30:40
